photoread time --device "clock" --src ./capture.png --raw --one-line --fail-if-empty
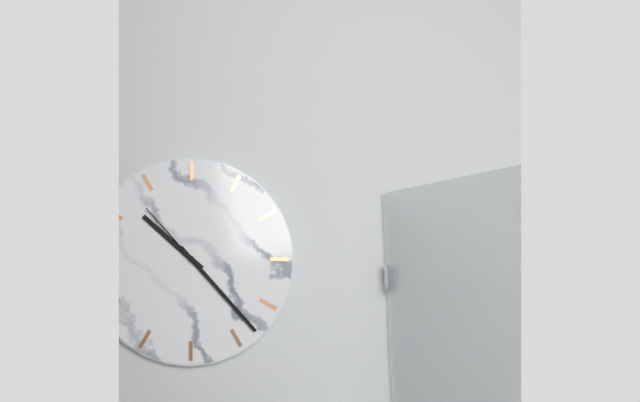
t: 10:23:53
